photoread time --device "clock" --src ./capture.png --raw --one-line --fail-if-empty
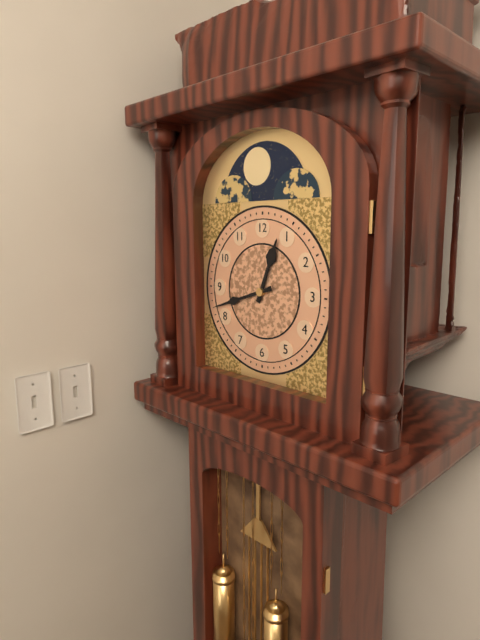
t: 12:42
